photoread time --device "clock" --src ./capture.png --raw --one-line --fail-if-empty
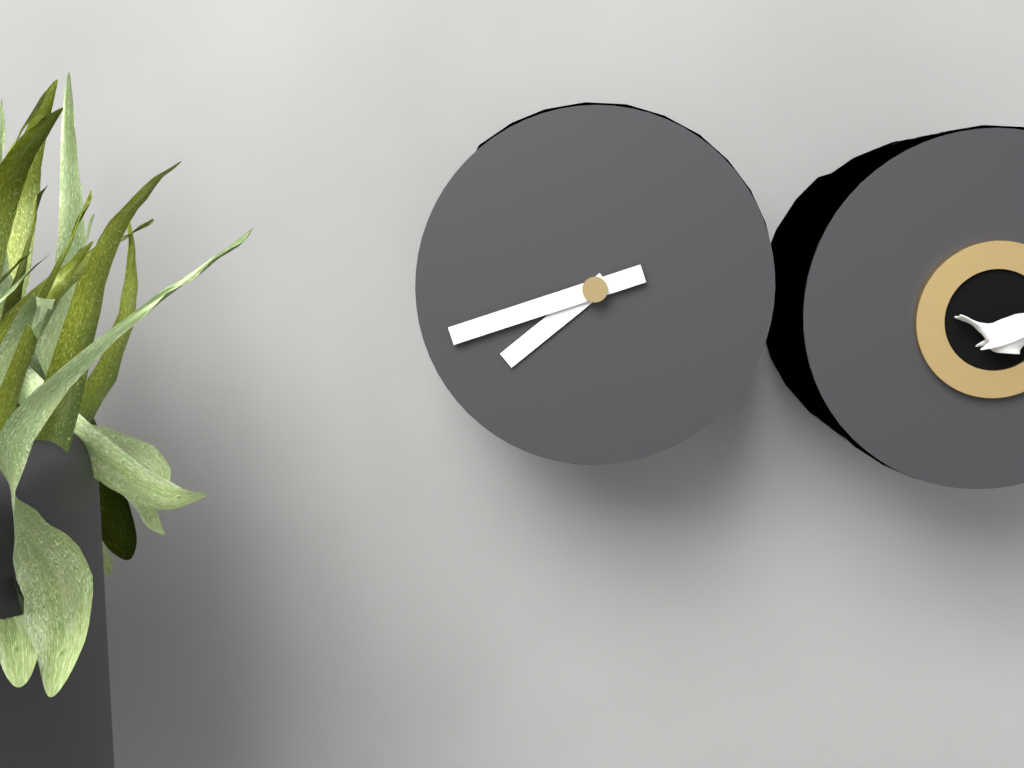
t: 7:42
